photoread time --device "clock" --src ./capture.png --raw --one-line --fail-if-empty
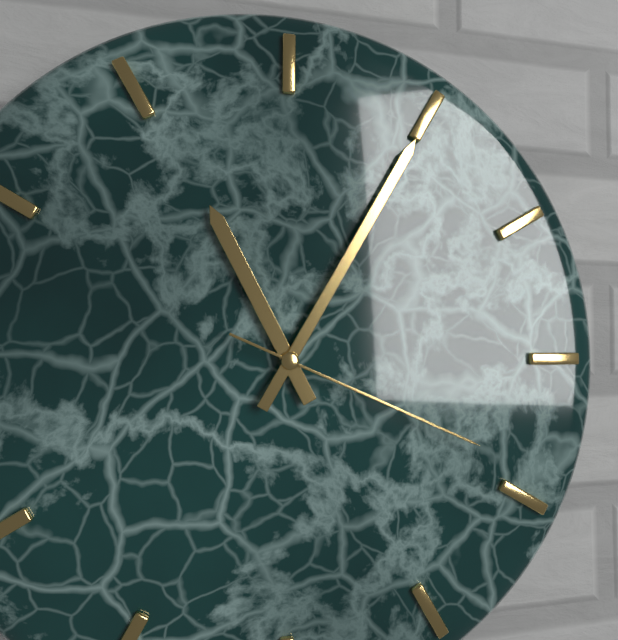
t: 11:05:19
